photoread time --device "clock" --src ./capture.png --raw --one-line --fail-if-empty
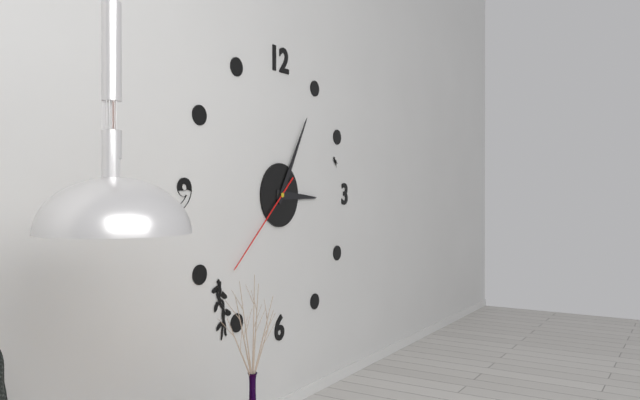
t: 3:05:38
